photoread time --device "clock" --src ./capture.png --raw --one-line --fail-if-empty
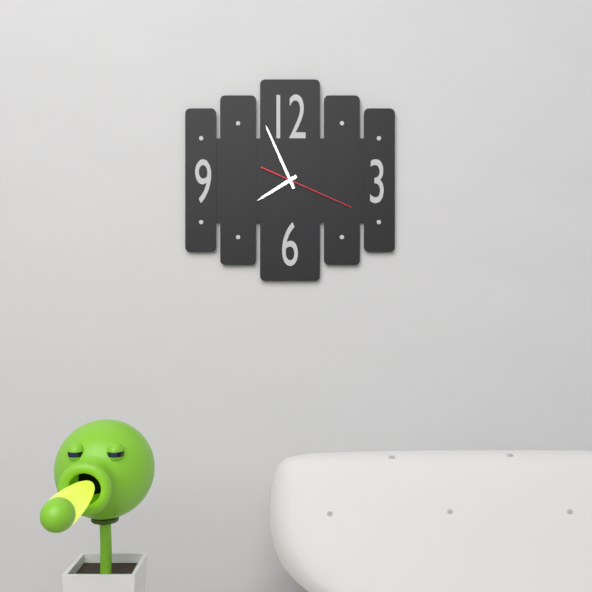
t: 7:56:19
